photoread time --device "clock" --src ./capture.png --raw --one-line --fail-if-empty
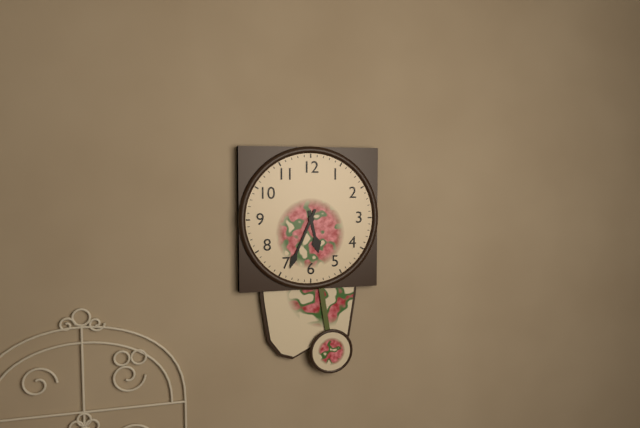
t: 5:34
